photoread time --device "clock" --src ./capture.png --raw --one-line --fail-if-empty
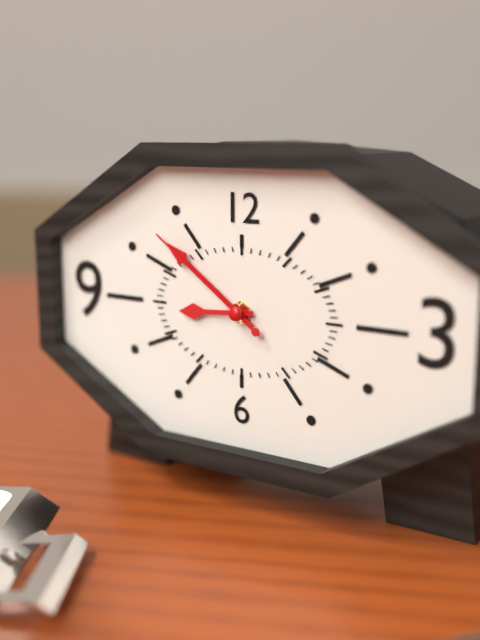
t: 8:51:51
